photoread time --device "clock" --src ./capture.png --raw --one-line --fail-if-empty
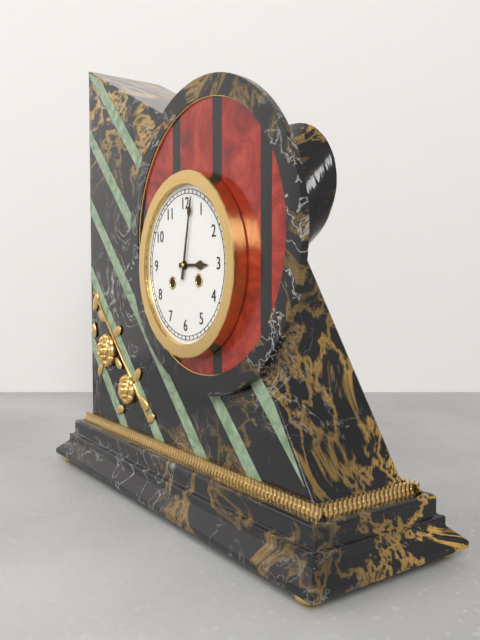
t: 3:02
